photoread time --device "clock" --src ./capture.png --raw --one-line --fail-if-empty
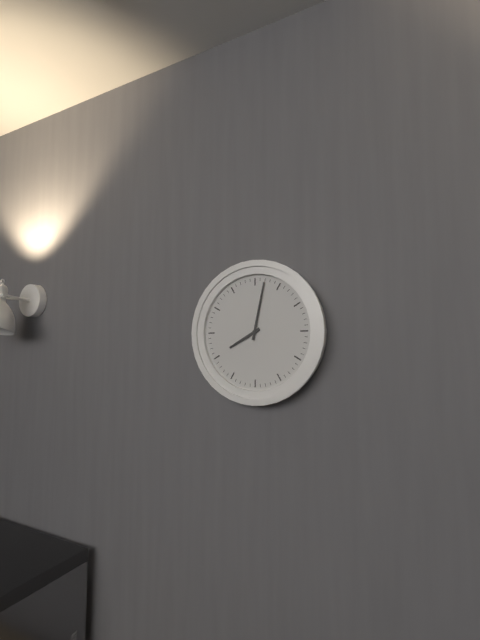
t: 8:02
